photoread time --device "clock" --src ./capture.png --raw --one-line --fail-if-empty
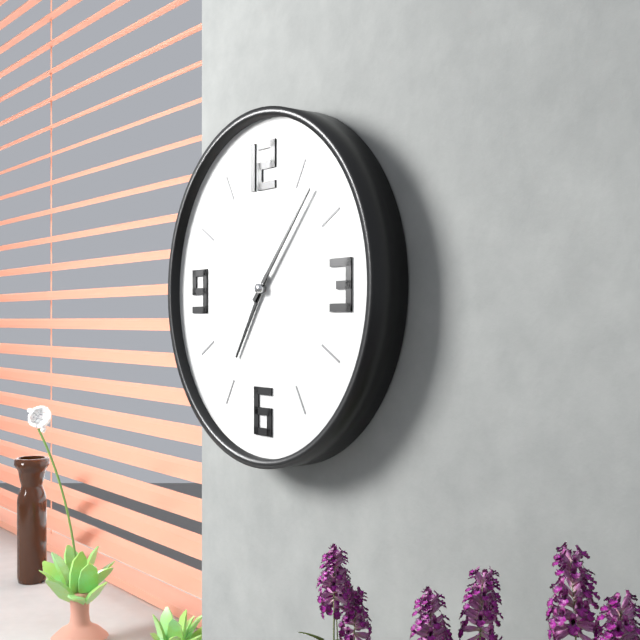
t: 7:07
